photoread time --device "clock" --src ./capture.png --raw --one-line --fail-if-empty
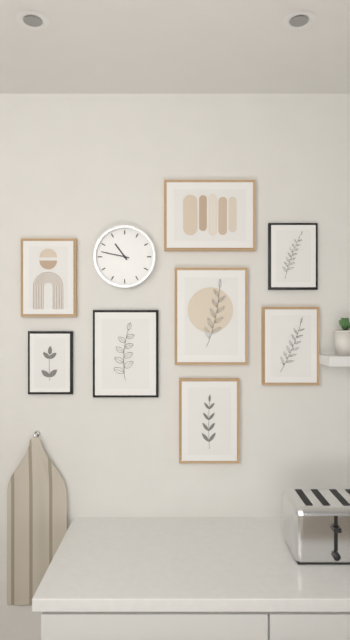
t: 10:47
